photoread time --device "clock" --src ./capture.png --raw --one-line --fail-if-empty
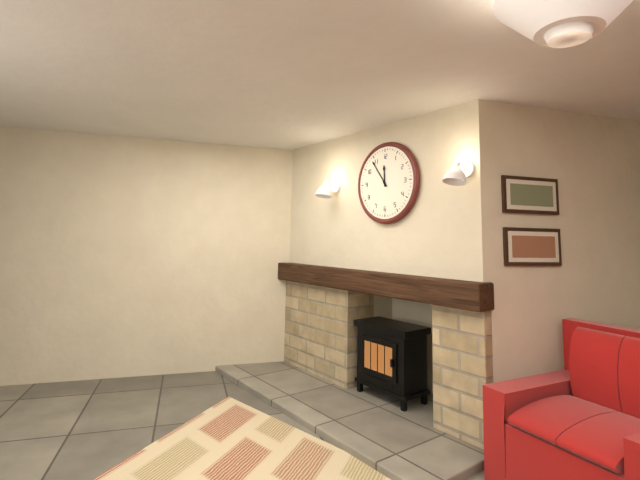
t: 11:54
